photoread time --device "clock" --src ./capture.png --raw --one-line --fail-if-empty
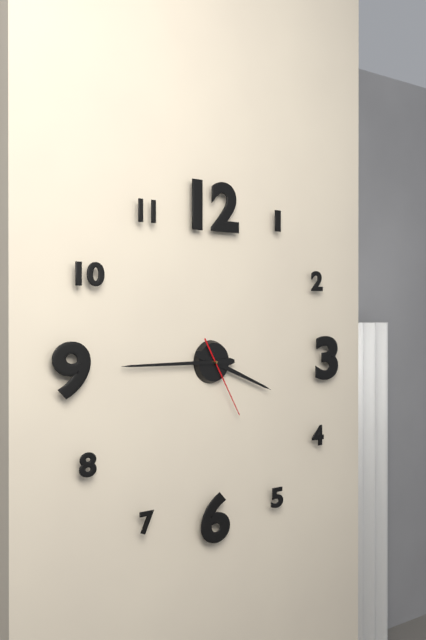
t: 3:45:25
